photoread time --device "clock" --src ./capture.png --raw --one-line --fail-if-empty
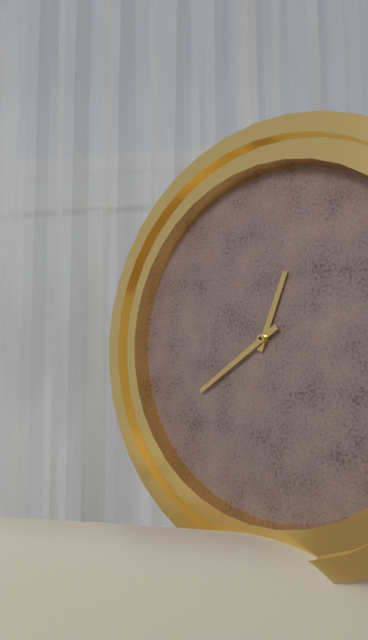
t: 12:39
